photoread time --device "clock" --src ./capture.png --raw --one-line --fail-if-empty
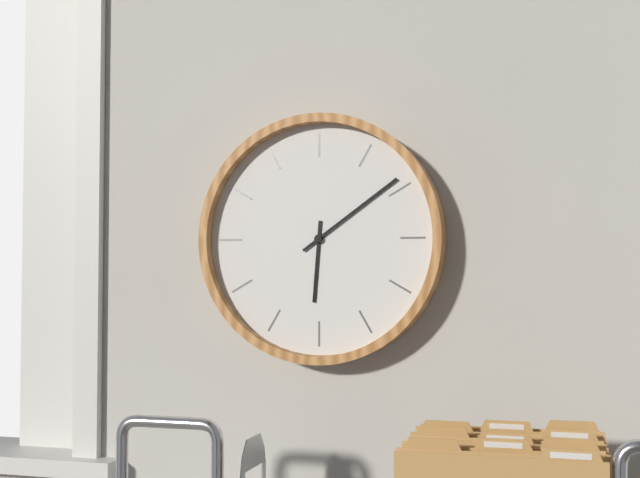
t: 6:09
